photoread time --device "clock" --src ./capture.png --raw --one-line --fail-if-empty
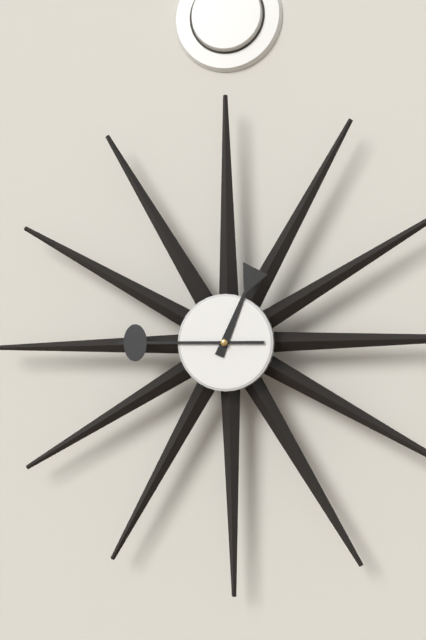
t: 12:45
